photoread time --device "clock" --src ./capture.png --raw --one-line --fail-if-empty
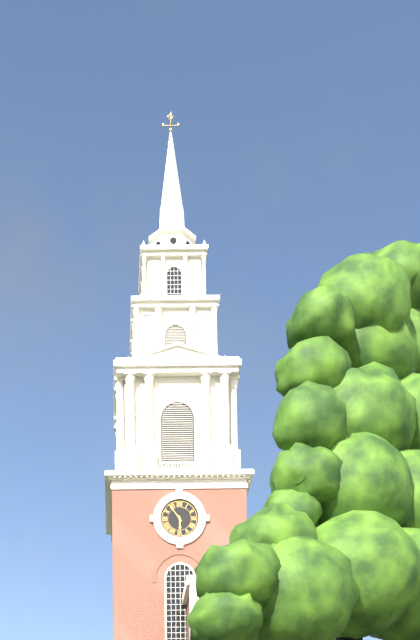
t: 5:54
